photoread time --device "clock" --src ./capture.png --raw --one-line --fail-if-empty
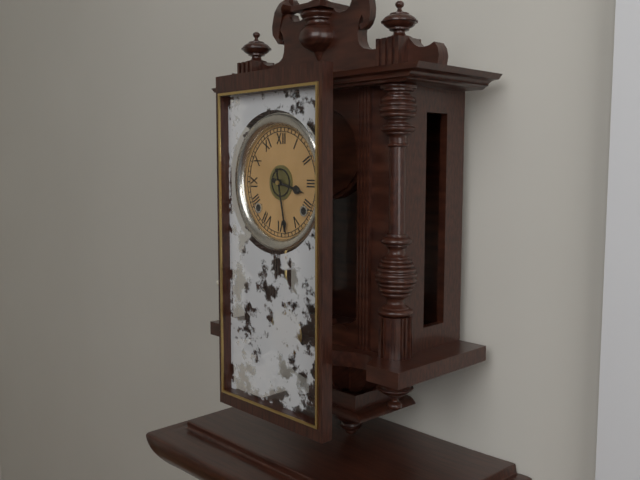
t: 3:28
